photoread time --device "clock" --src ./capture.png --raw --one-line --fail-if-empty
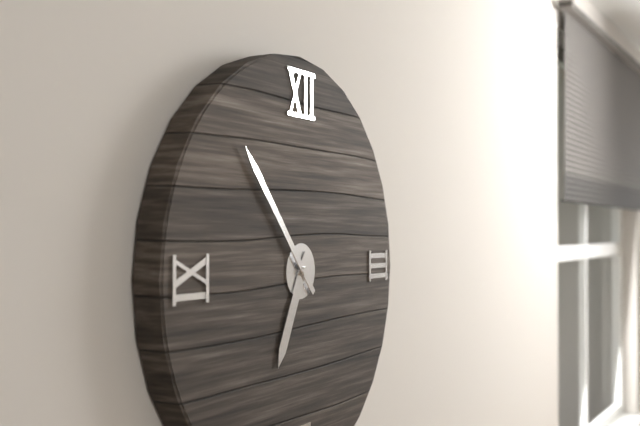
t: 6:53
